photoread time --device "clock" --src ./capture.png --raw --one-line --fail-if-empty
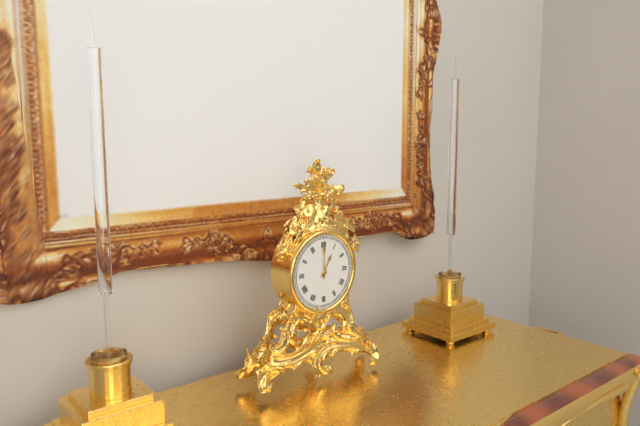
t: 1:00
